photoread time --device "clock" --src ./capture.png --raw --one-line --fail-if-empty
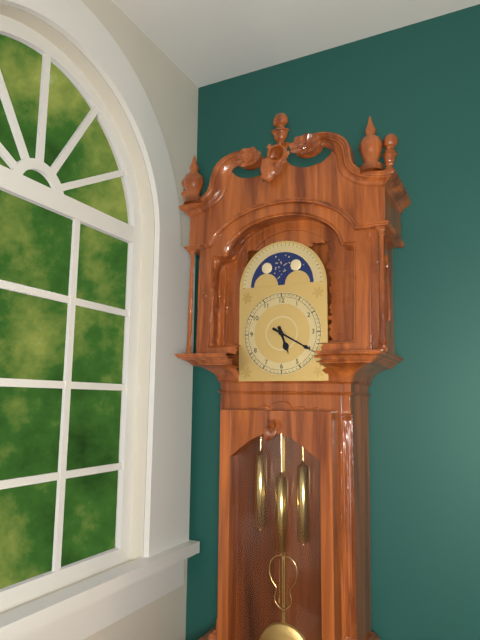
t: 5:20
